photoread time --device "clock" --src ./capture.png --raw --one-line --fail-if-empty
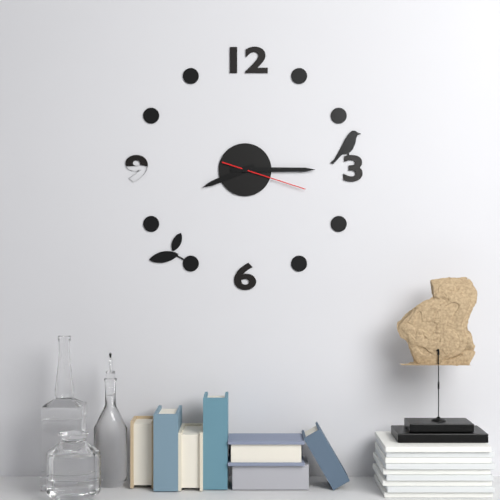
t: 8:15:18
